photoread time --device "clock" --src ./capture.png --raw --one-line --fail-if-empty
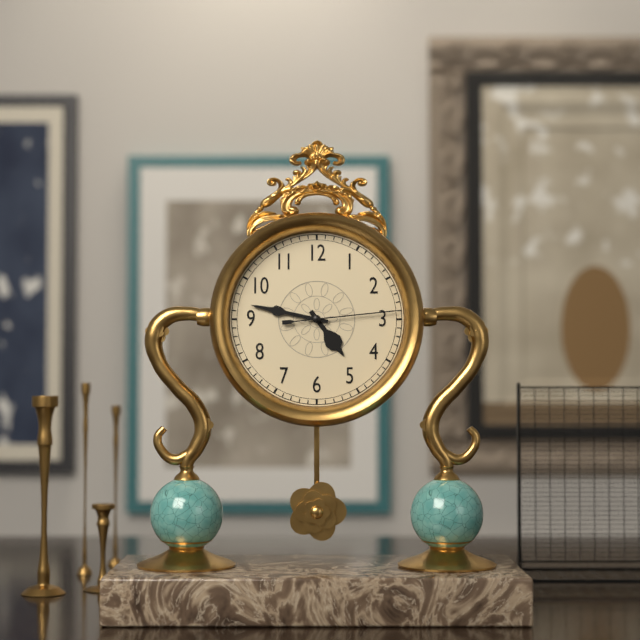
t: 4:47:14
